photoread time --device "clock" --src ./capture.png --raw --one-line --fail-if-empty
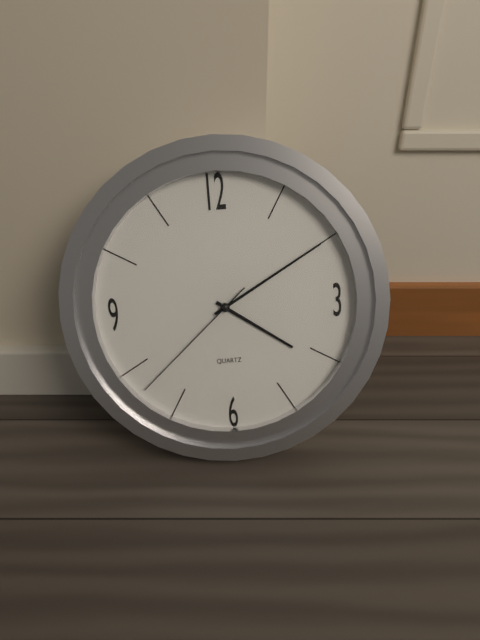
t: 4:10:38
